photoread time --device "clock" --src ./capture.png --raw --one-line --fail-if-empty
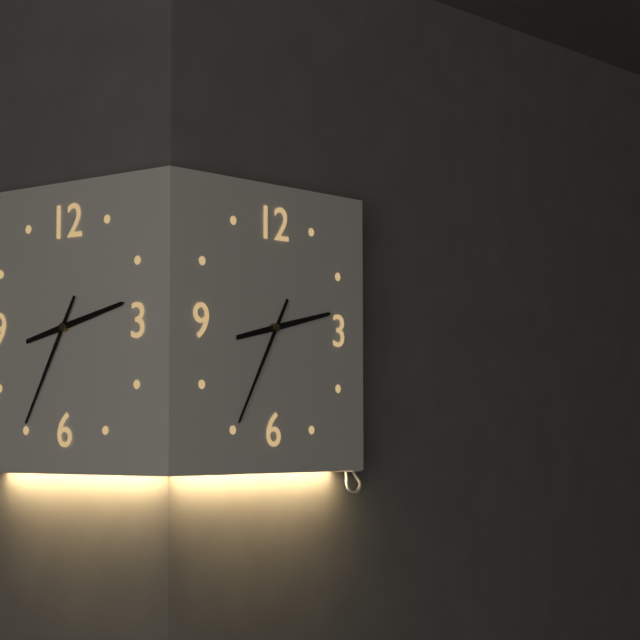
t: 2:35
